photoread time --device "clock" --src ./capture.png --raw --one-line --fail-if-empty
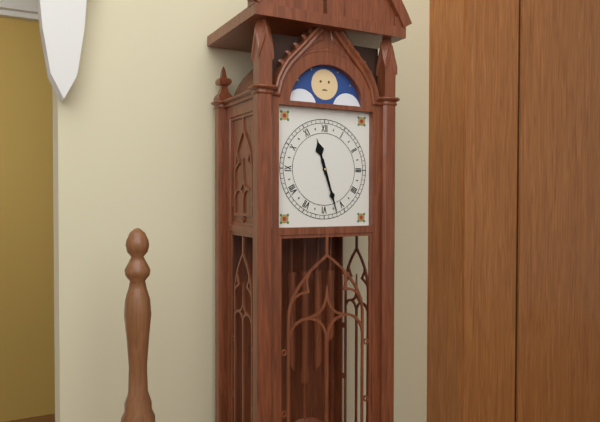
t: 11:27
